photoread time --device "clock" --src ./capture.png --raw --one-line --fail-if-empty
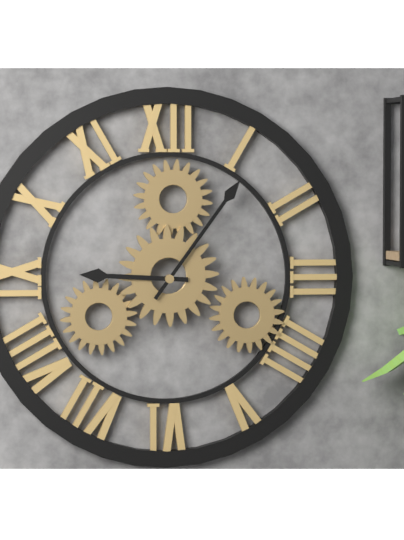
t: 9:06
